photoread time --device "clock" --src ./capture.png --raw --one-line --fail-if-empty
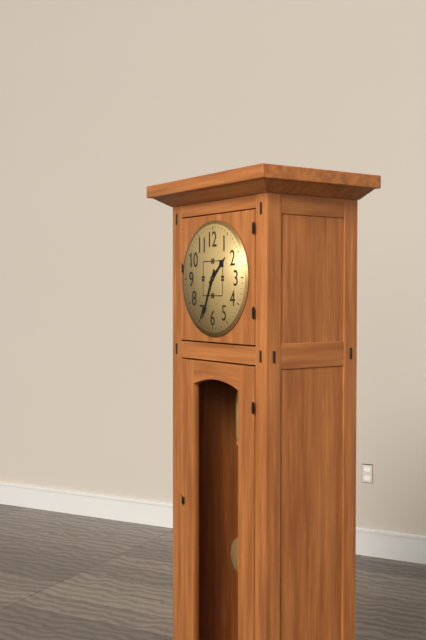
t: 1:34
